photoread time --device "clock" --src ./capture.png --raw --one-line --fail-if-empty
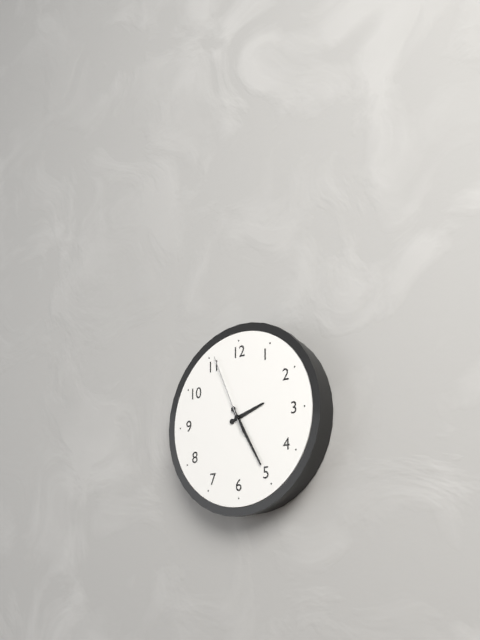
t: 2:25:56
